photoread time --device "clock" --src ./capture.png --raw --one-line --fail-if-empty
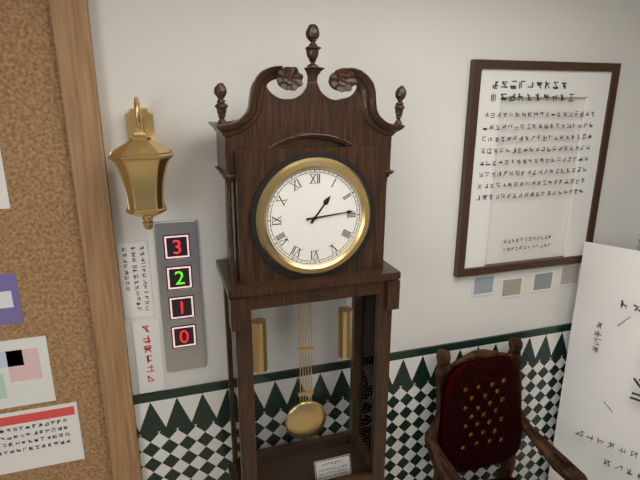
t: 1:14
